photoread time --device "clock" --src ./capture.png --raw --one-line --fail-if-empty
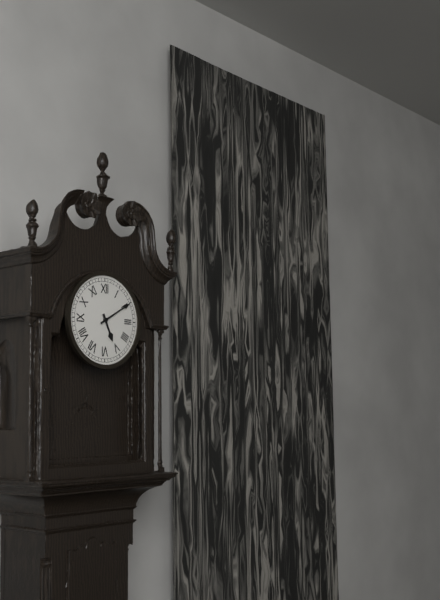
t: 5:10
